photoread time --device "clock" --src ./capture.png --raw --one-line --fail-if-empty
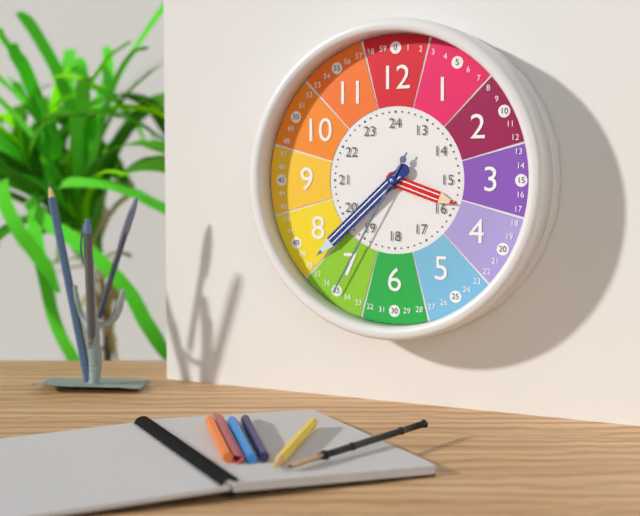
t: 3:38:35
